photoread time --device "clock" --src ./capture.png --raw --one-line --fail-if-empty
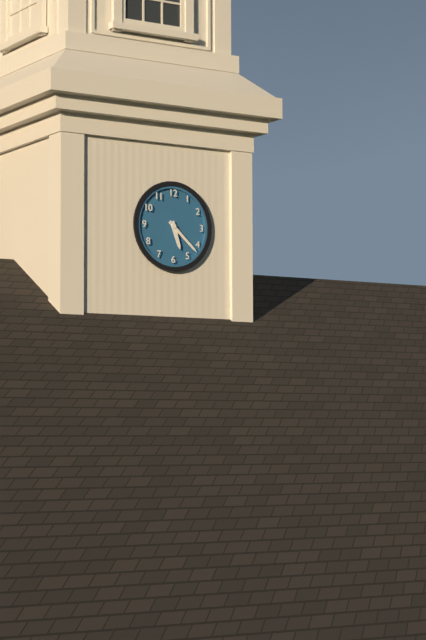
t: 5:22
